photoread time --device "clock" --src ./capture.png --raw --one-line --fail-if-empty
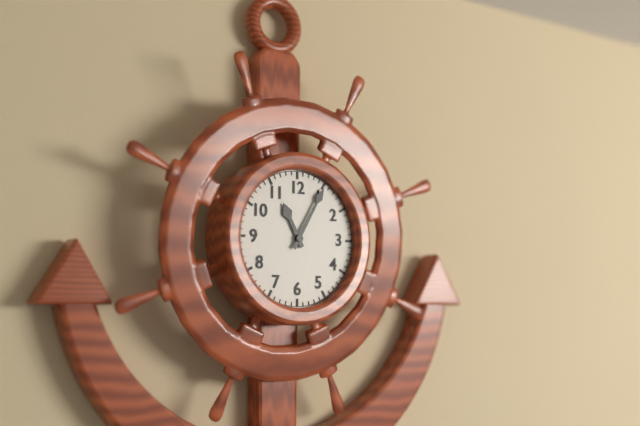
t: 11:05
